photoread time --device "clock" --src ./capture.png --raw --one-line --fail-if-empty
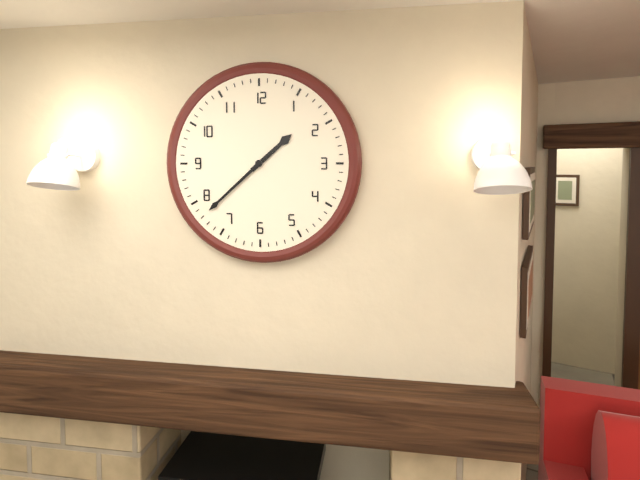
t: 1:38
